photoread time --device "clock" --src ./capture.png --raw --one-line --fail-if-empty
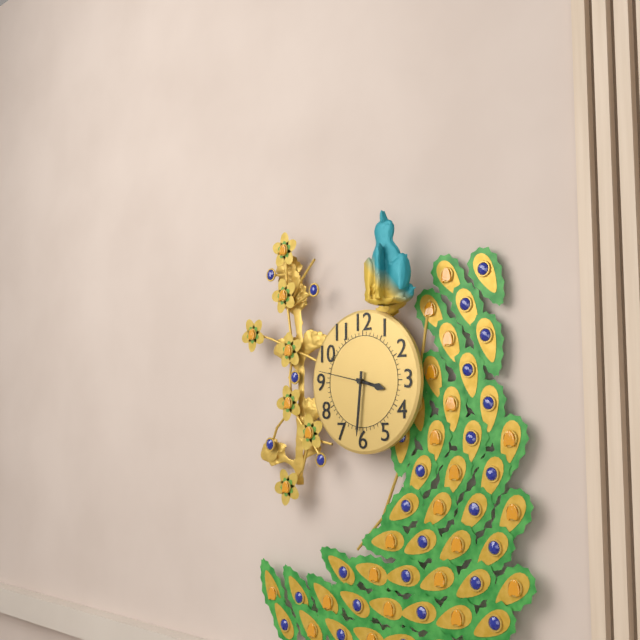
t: 3:31:47
